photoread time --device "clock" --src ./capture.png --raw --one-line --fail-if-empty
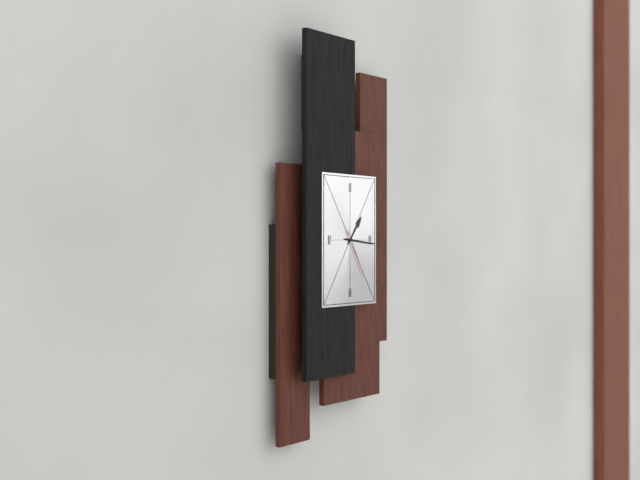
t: 1:16:25
